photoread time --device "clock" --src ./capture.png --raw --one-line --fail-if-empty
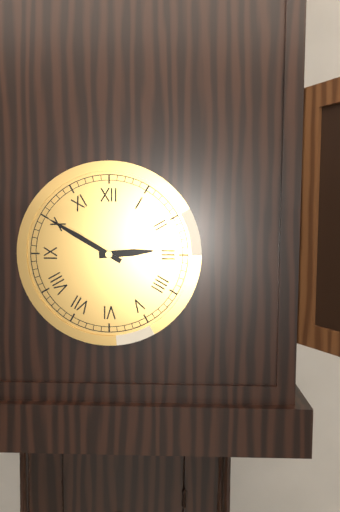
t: 2:50
